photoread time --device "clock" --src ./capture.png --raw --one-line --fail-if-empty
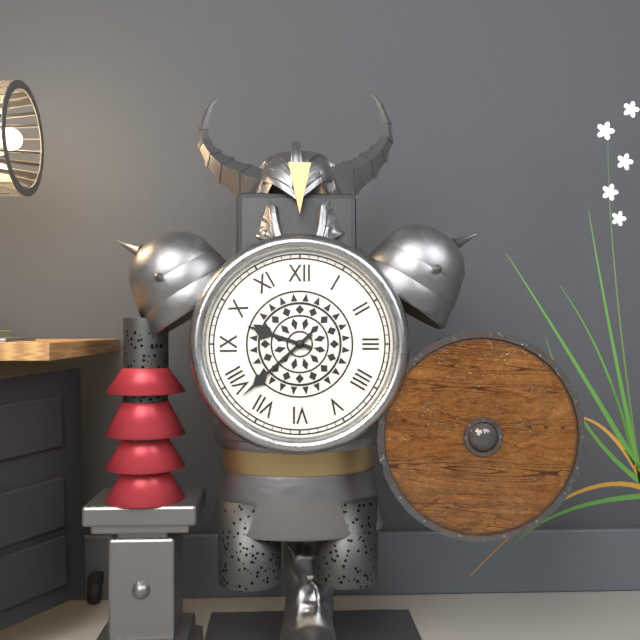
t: 9:38
